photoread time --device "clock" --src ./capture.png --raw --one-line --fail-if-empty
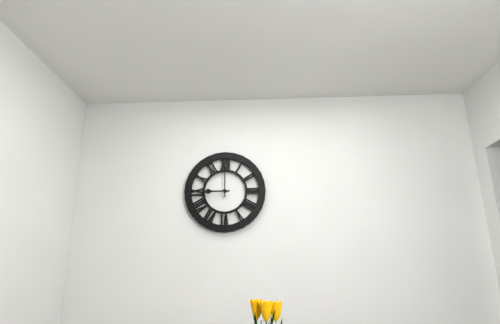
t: 9:00
